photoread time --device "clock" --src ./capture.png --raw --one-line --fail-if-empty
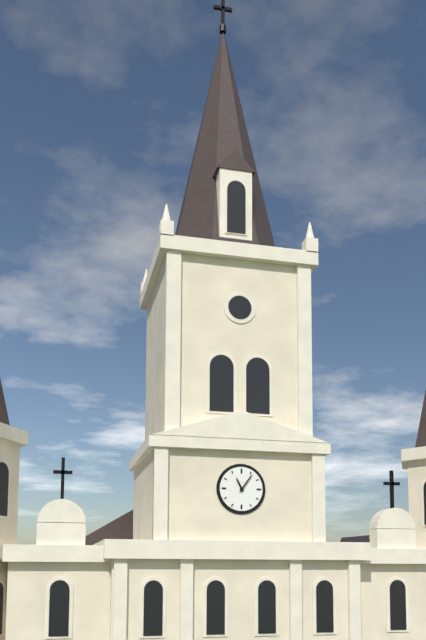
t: 11:06
